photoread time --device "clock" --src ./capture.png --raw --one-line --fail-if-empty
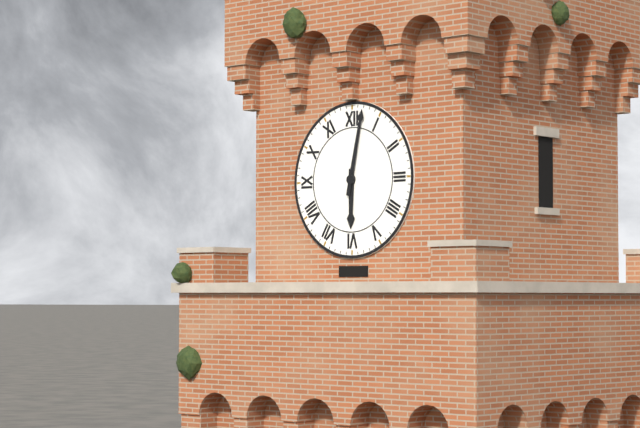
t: 6:02
